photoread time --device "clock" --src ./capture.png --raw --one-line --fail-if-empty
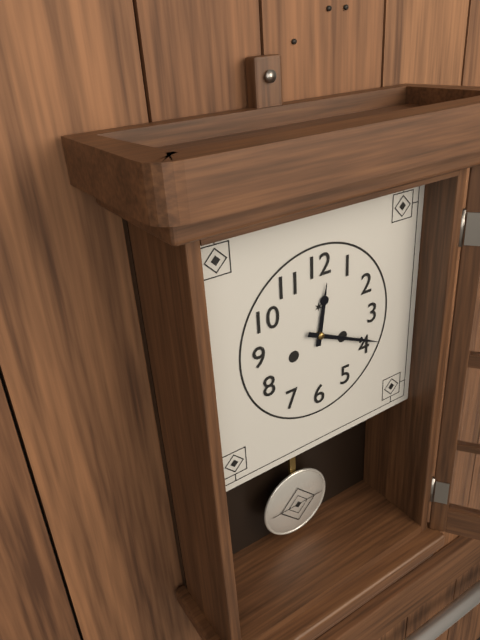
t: 12:19
